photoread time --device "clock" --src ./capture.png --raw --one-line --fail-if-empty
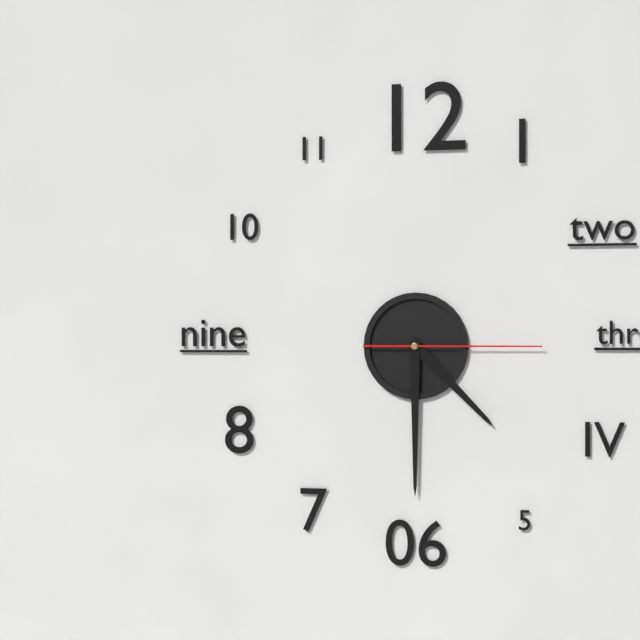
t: 4:30:15
